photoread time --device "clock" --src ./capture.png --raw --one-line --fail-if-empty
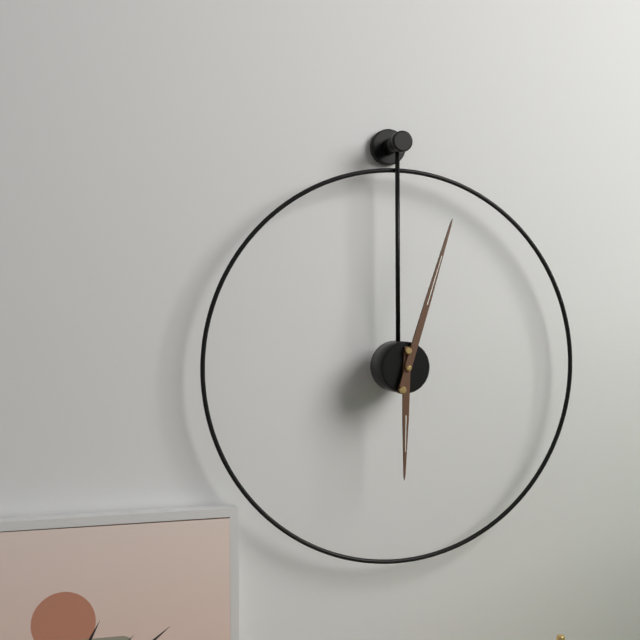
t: 6:03
